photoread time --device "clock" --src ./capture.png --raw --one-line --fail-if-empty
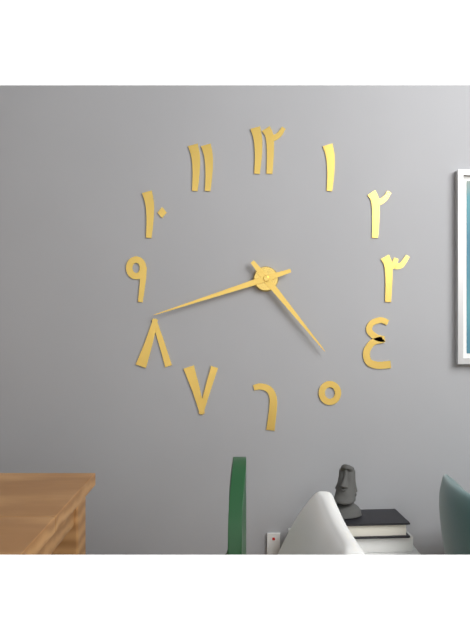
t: 4:42
